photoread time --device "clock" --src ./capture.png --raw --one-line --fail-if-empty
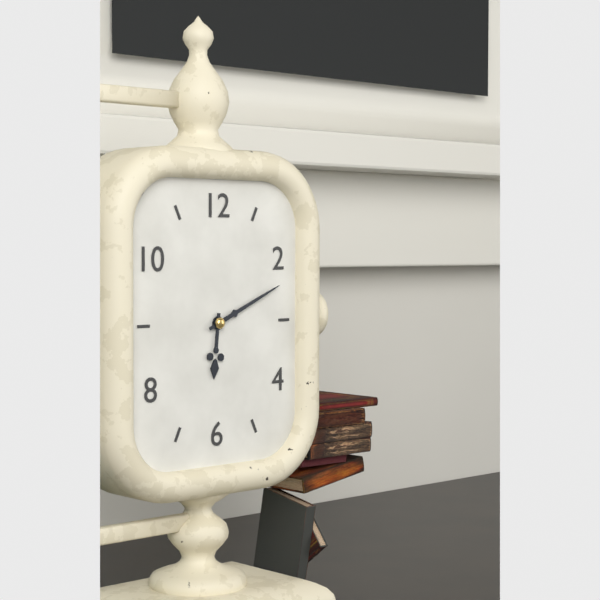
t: 6:11
